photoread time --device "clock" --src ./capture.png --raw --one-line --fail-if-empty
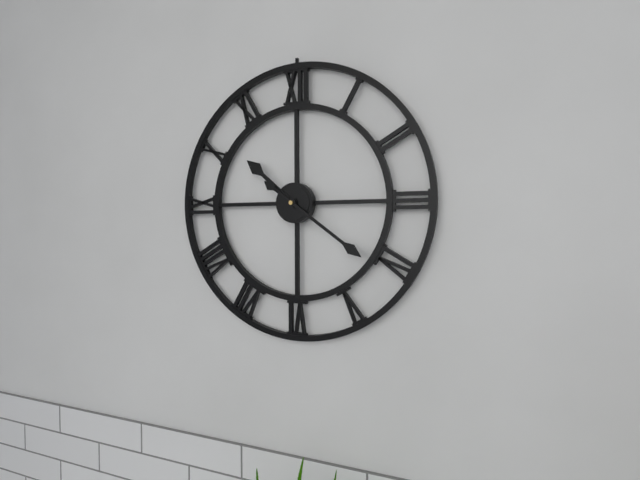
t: 10:21
